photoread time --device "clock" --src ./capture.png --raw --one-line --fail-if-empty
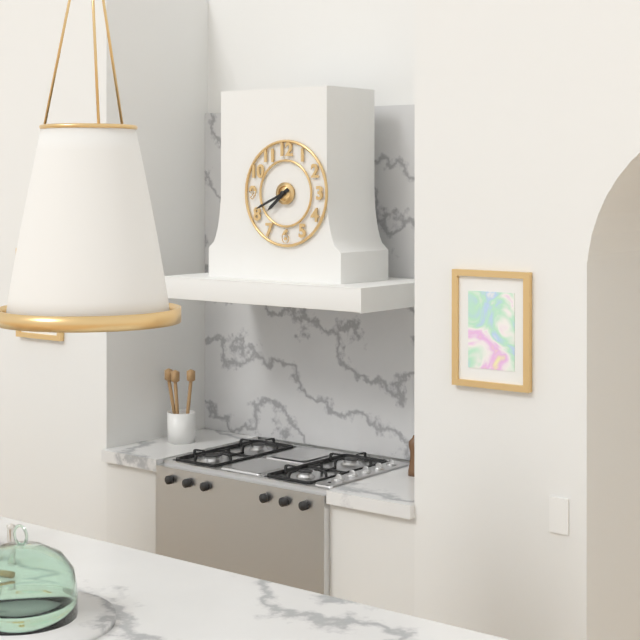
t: 7:41
